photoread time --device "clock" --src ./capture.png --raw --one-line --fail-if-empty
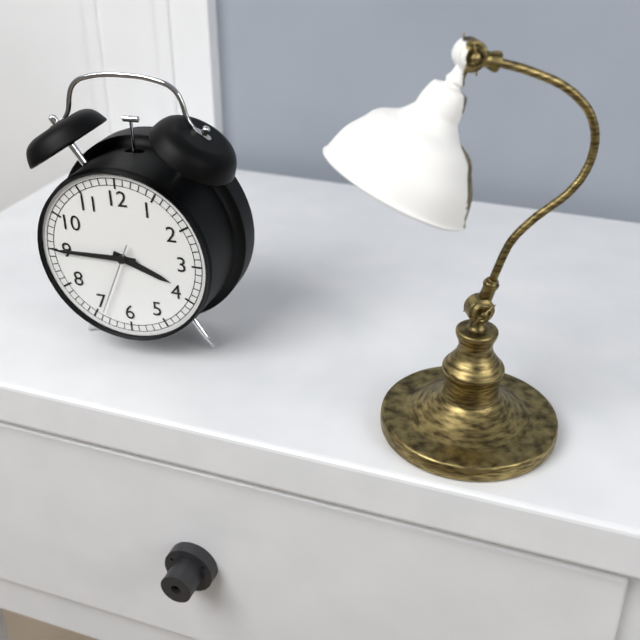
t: 3:45:34
